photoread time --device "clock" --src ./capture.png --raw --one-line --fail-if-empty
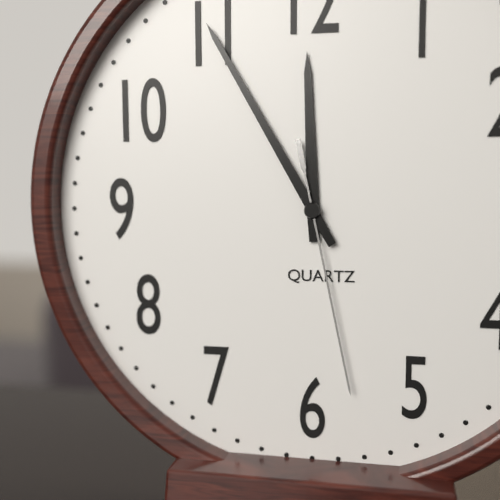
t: 11:55:28
